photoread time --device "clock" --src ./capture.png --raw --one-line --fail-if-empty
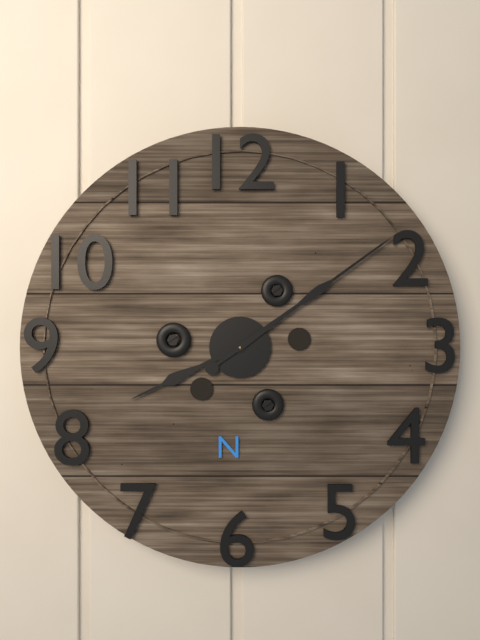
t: 8:09
